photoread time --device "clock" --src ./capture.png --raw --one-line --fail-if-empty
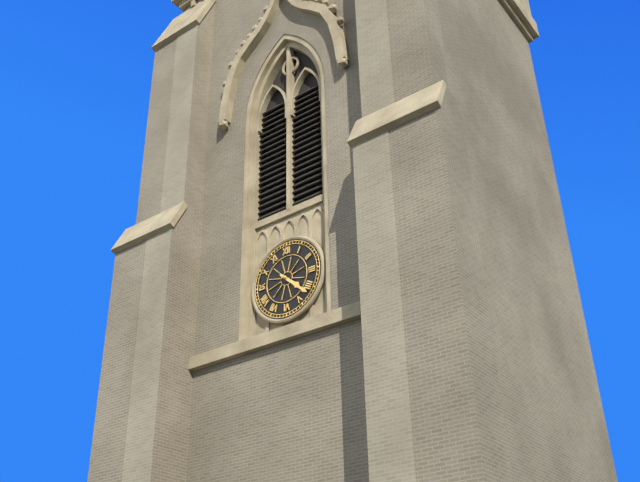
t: 4:22
